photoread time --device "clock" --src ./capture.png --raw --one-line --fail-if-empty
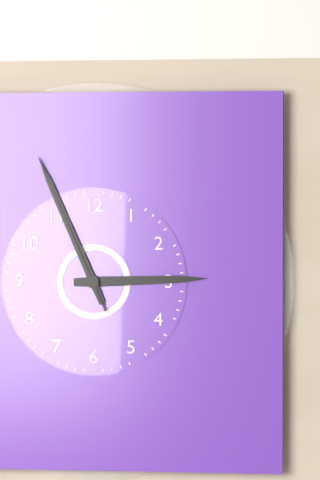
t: 2:56:56
